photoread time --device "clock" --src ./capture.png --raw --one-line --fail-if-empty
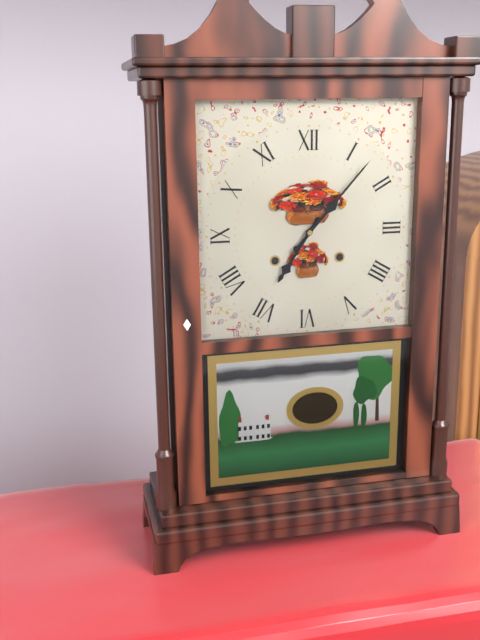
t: 7:07
